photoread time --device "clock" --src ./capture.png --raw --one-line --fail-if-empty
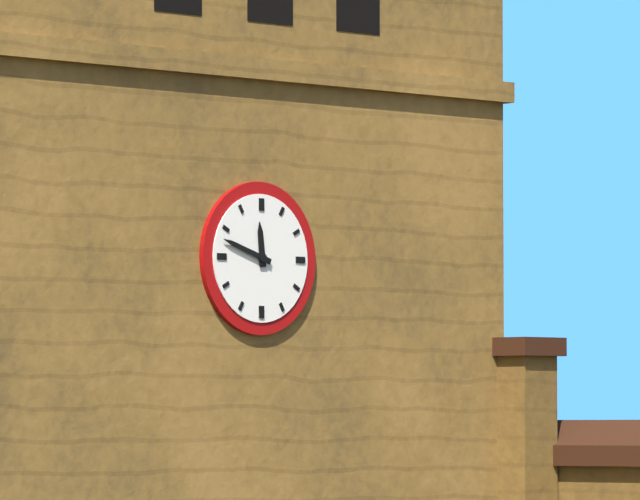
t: 11:48
